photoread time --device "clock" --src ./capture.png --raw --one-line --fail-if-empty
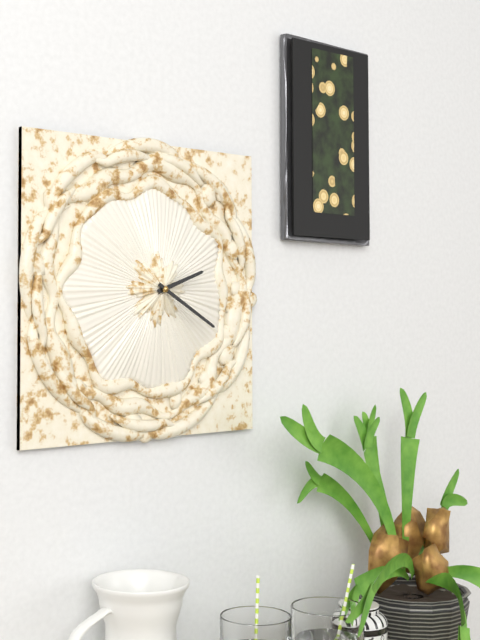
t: 2:20
